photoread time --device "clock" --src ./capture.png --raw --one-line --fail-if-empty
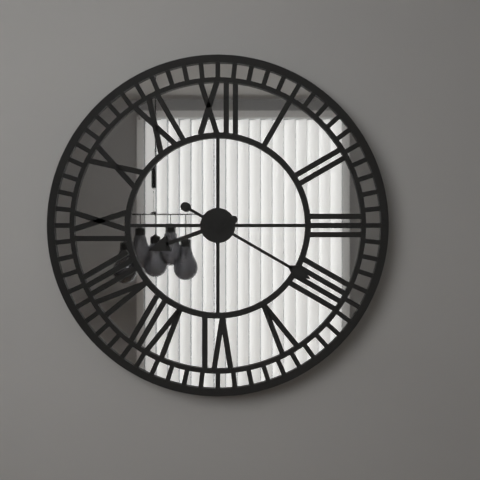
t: 8:20
